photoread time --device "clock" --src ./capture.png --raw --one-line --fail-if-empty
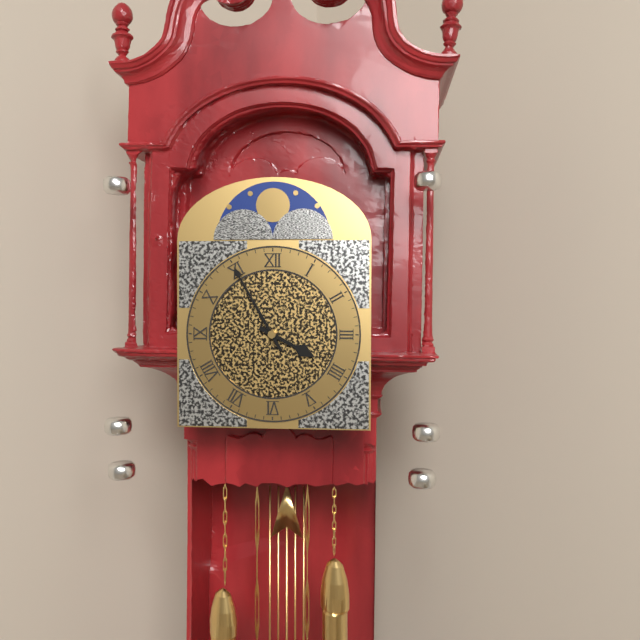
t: 3:55
